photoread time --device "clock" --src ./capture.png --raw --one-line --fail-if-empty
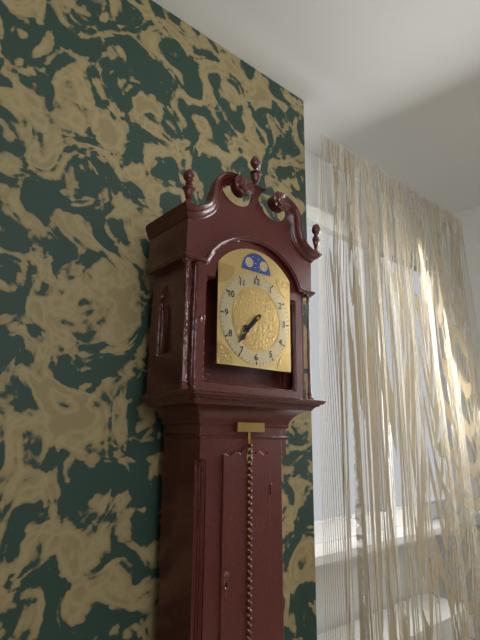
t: 7:37
